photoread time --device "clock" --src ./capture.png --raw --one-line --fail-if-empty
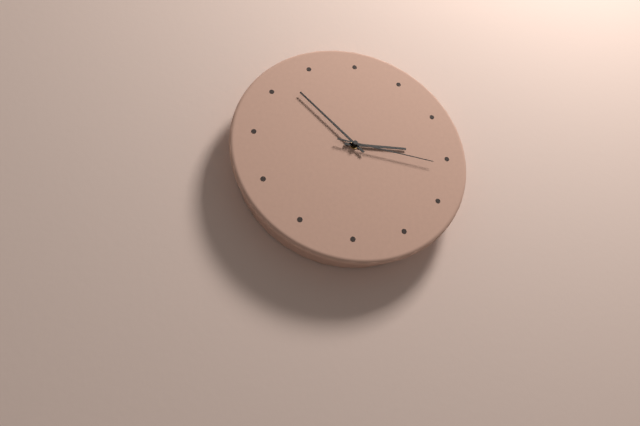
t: 2:52:16
